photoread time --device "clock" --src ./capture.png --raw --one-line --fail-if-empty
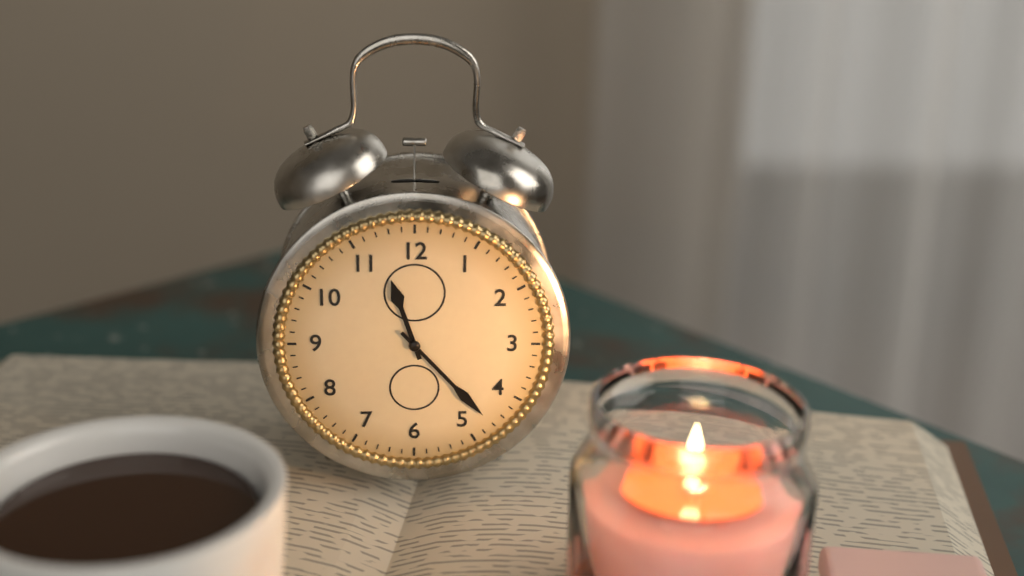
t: 11:23
